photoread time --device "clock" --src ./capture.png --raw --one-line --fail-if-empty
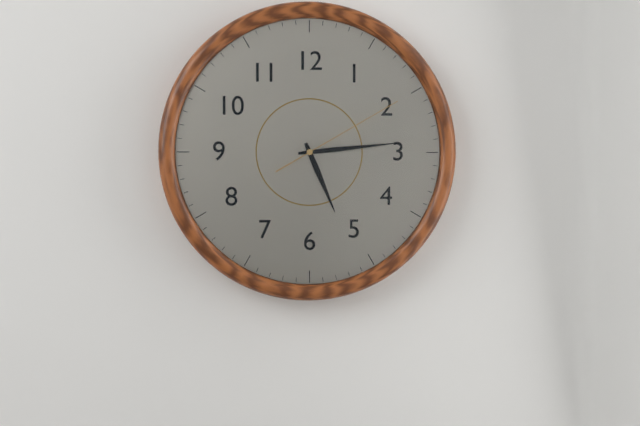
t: 5:14:10
